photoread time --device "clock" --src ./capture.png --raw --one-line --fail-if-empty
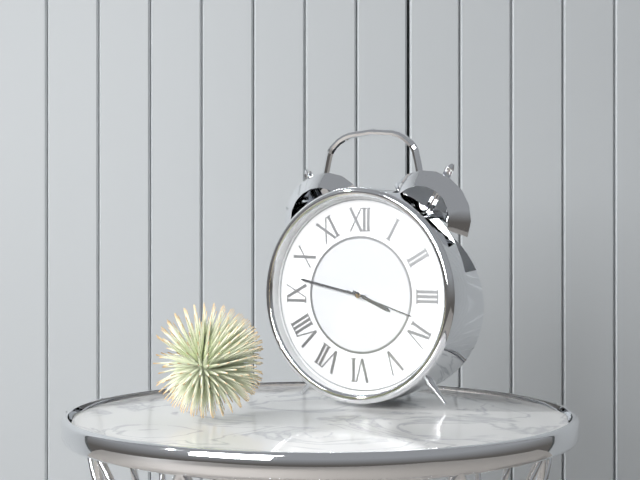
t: 3:47:18
